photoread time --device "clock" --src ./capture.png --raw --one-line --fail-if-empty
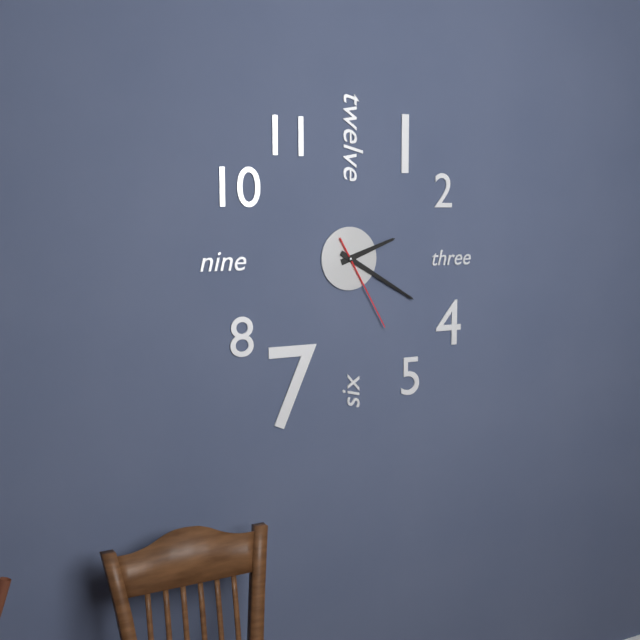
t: 2:20:25
